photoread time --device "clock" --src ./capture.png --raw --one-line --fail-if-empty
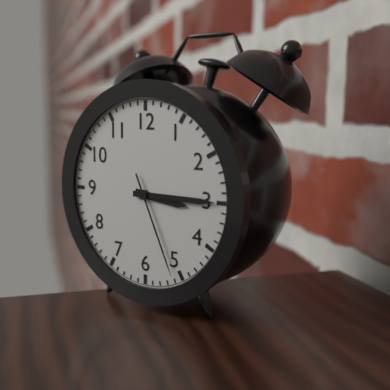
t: 3:15:26
